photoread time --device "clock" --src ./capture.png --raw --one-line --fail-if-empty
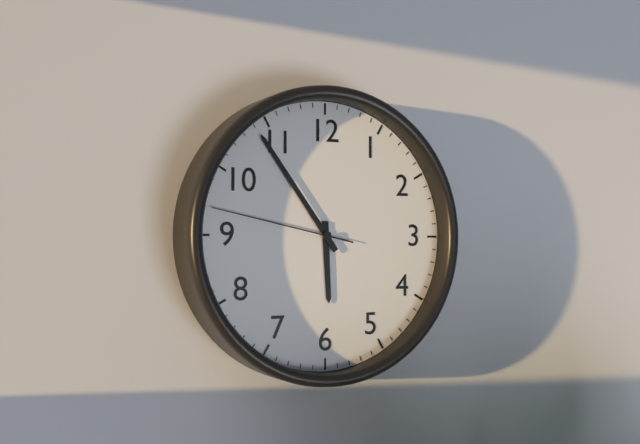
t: 5:54:47
